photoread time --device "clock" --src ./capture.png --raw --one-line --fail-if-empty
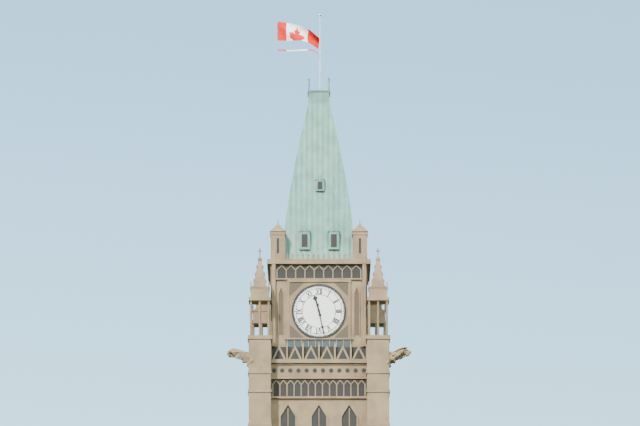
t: 11:28
